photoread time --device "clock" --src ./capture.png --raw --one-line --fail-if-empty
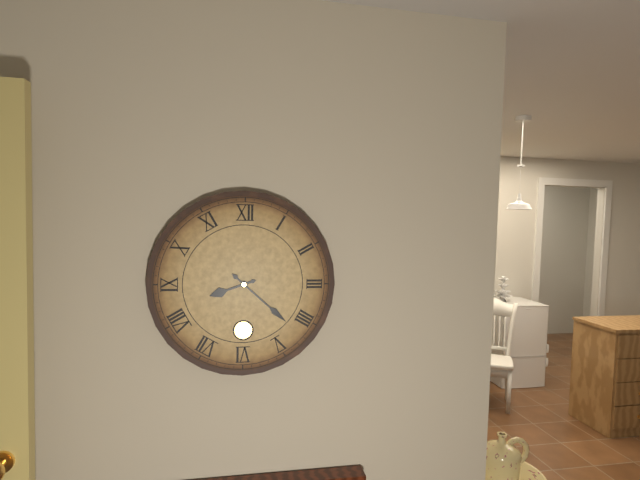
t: 8:22
